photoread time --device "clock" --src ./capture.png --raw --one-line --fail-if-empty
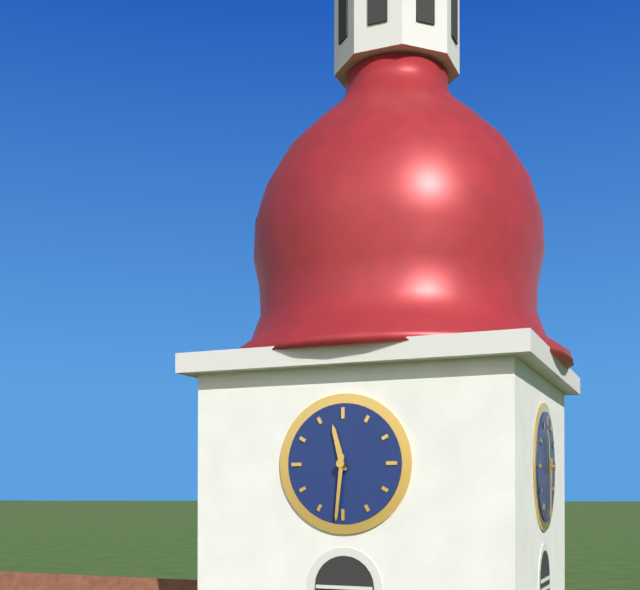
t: 11:31
